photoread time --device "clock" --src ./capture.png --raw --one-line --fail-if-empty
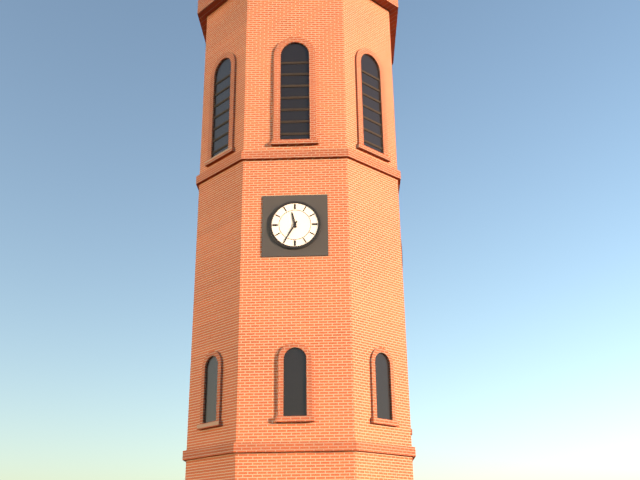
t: 11:35
